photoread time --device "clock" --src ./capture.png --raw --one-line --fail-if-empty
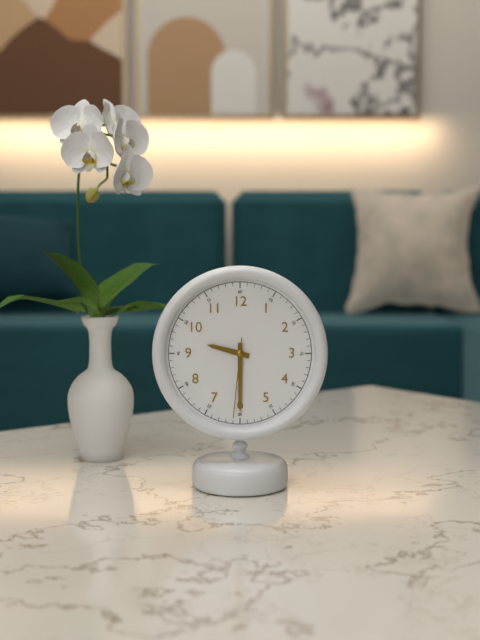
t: 9:30:31
